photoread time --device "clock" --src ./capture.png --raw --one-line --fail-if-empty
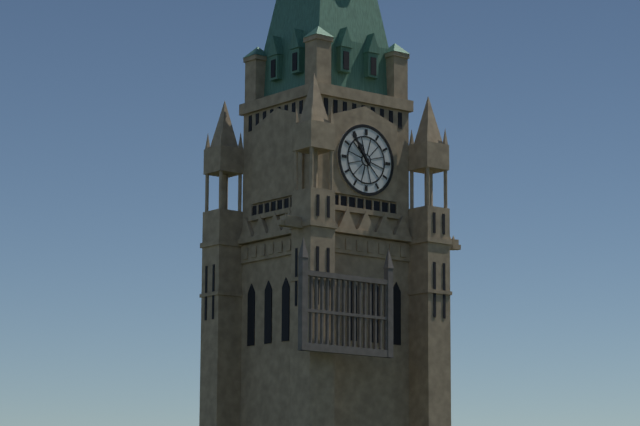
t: 10:54
